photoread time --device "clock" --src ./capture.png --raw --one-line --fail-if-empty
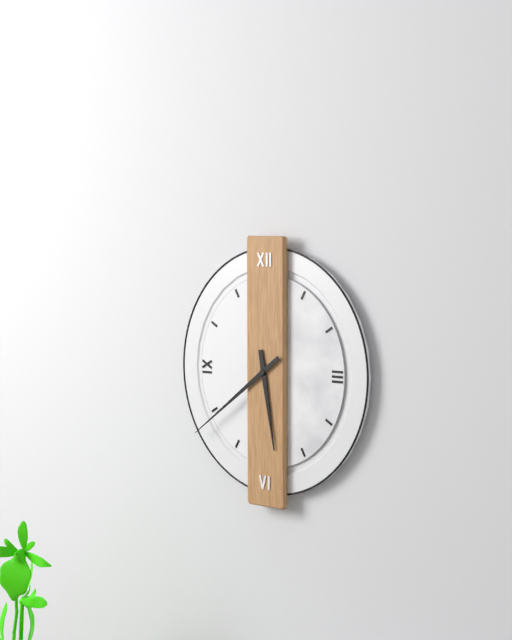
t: 5:39
